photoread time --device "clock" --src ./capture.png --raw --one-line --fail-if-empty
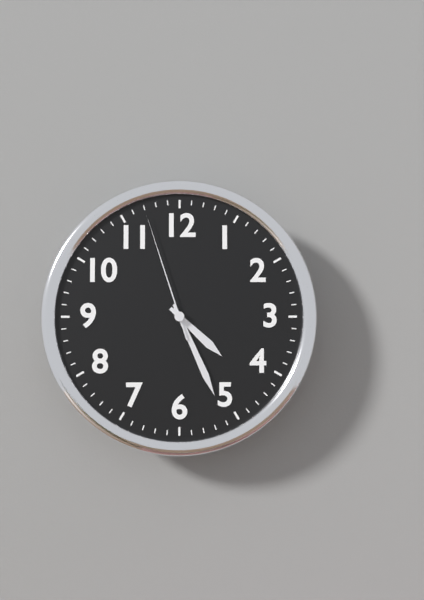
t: 4:26:57
